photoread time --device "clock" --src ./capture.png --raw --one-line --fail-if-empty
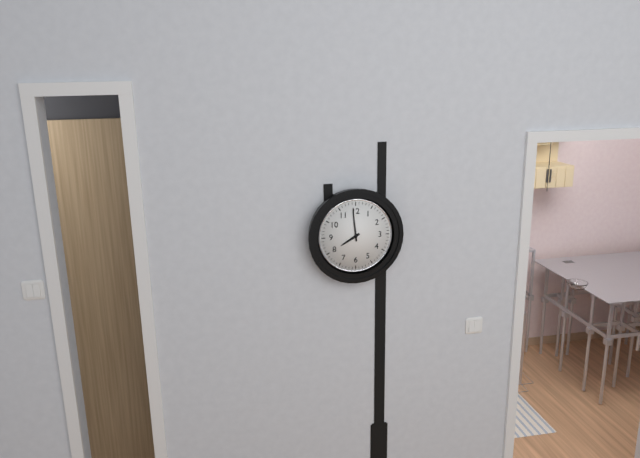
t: 7:59
